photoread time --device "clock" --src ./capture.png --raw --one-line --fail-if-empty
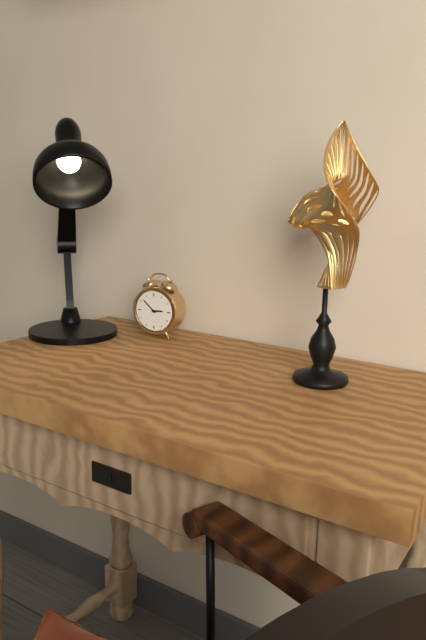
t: 2:52
